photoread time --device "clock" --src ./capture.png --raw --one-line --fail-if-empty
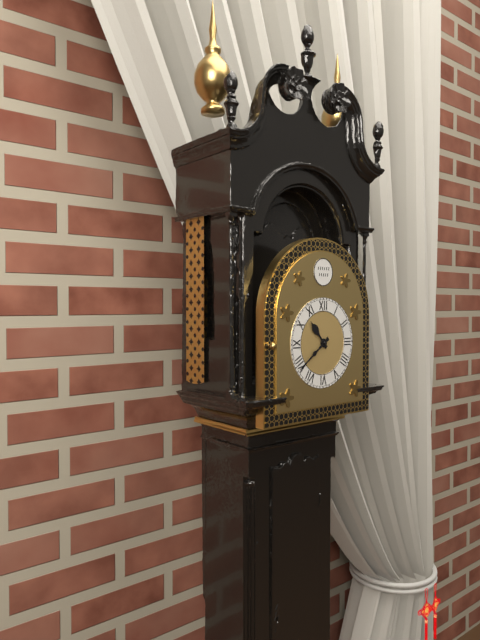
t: 10:39
